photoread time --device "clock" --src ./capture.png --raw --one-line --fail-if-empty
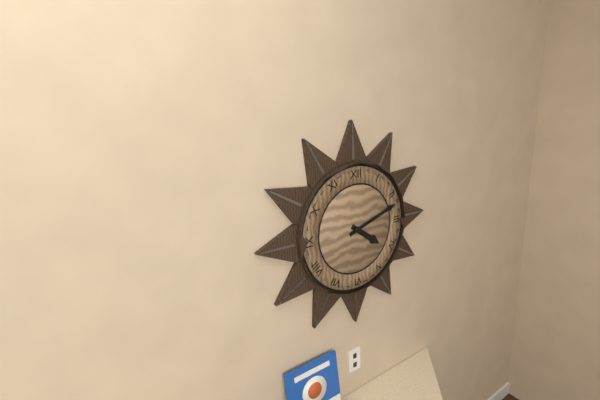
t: 4:12
